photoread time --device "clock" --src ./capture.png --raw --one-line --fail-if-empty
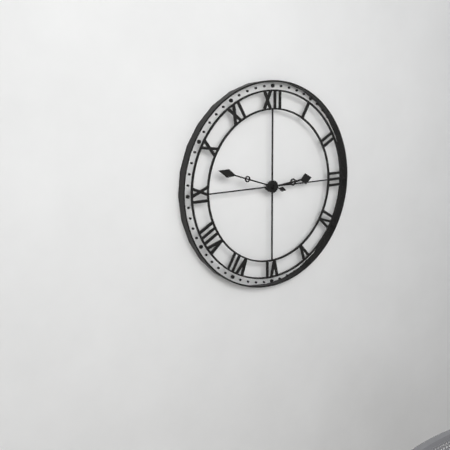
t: 2:48
